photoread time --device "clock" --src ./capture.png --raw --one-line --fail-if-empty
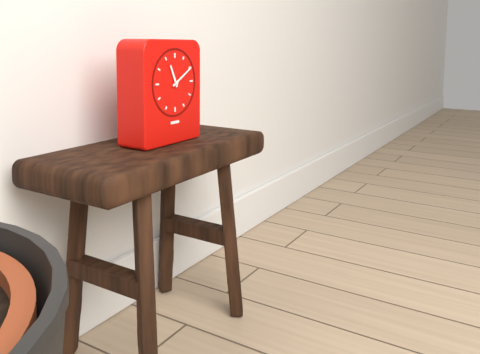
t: 11:10
